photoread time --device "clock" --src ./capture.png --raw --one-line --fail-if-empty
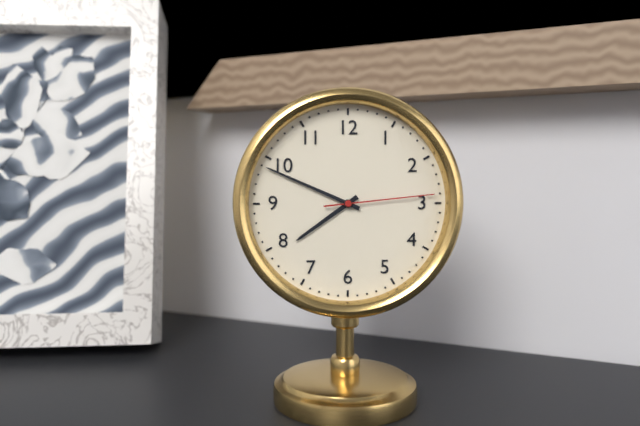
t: 7:49:14
